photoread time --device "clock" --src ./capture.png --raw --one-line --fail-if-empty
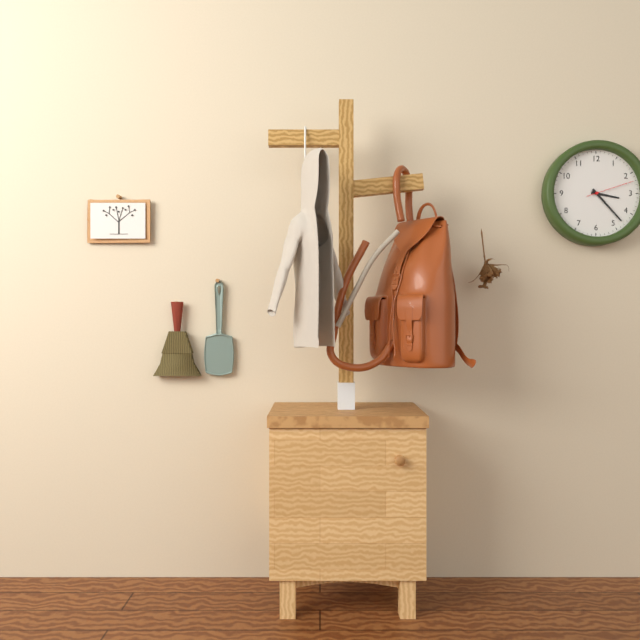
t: 3:23
